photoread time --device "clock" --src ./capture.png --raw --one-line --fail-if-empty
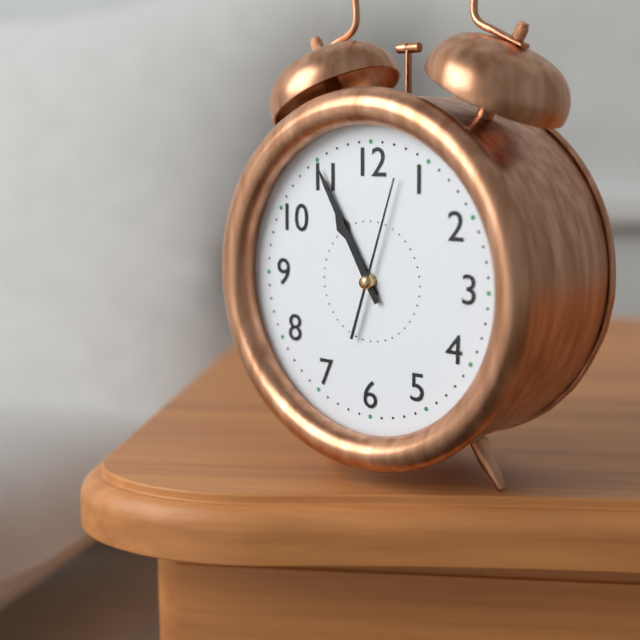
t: 10:55:03
